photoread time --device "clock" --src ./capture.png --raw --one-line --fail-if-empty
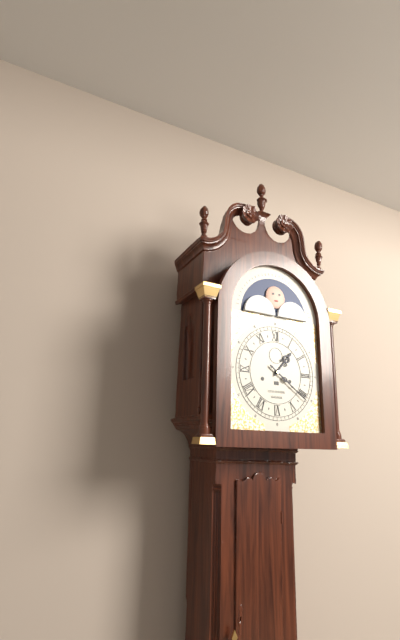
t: 1:21
